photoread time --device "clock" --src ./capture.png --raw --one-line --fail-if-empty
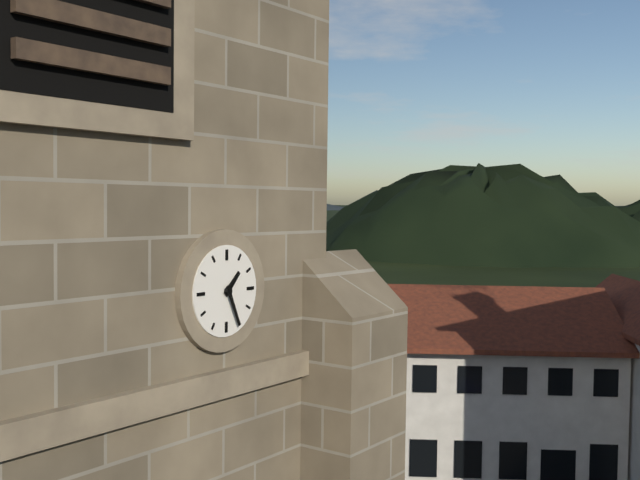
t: 1:26
